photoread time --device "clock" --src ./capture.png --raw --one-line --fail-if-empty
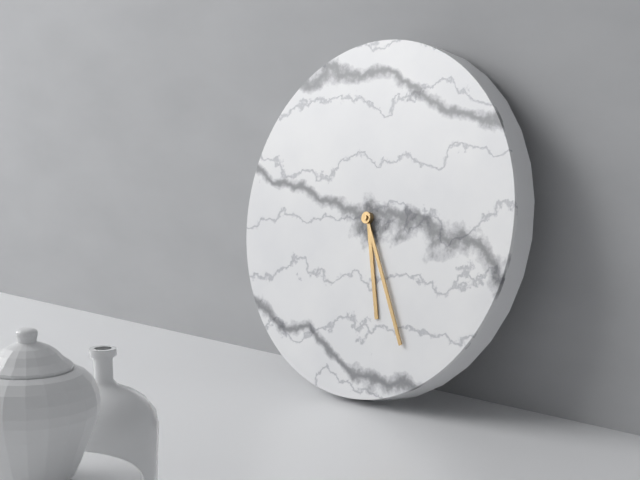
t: 5:25
